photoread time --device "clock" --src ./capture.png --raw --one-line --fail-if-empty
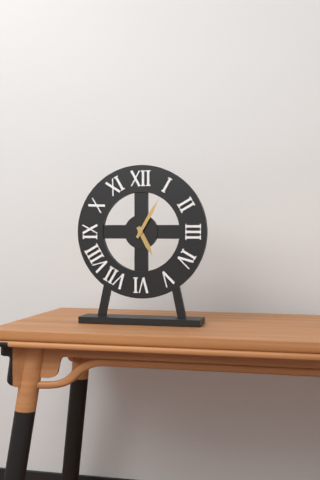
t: 5:05
